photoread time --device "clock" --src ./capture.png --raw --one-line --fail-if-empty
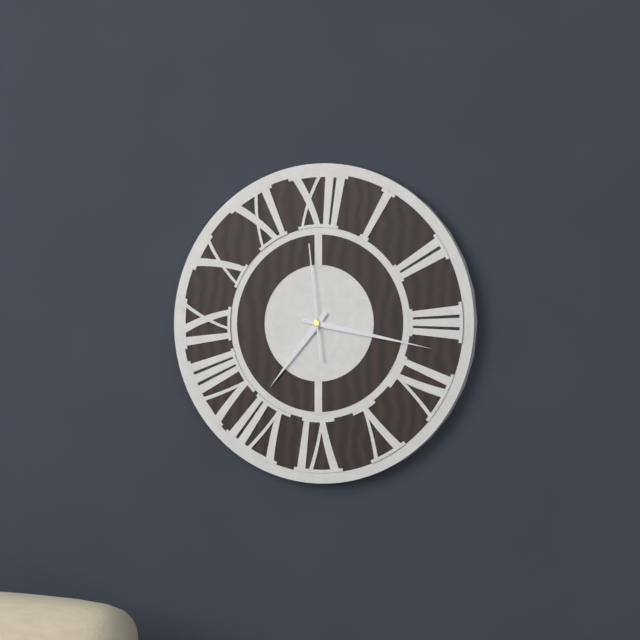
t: 7:17:59
